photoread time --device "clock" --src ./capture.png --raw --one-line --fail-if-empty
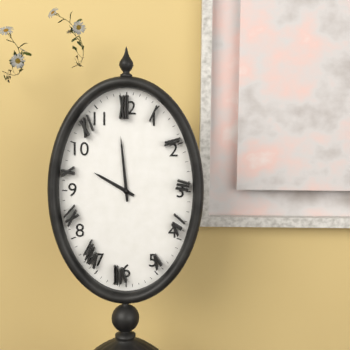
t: 9:59
